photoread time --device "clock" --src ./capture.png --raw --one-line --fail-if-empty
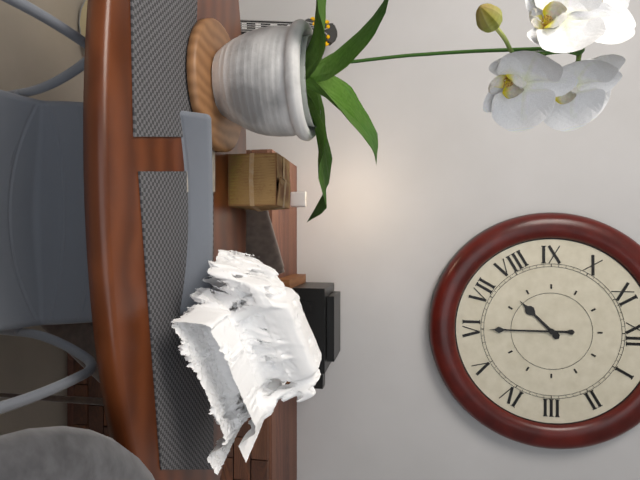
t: 7:30
